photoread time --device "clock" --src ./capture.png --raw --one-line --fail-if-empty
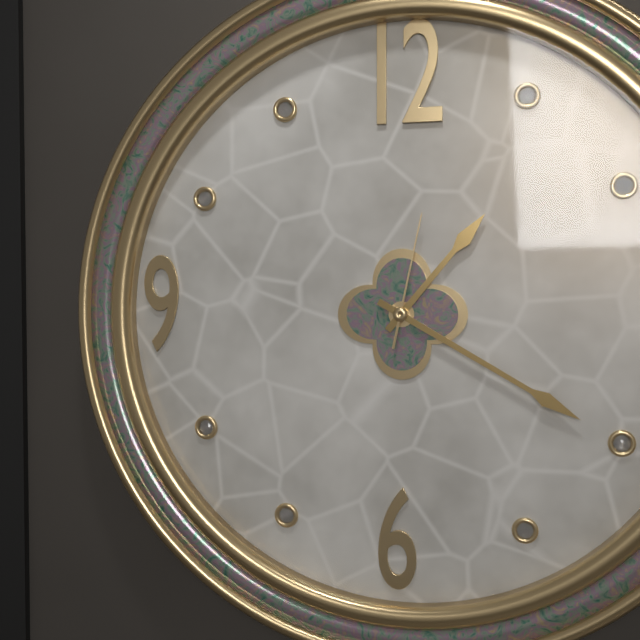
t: 1:20:02
